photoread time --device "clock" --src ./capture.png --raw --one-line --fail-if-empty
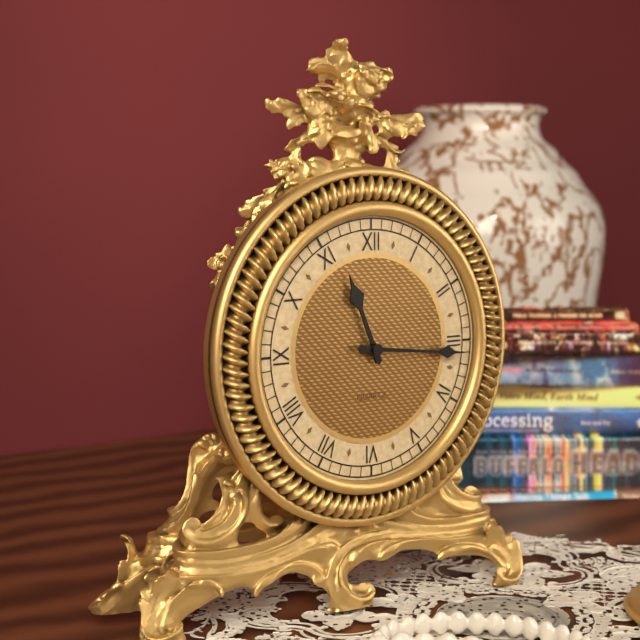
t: 11:16
